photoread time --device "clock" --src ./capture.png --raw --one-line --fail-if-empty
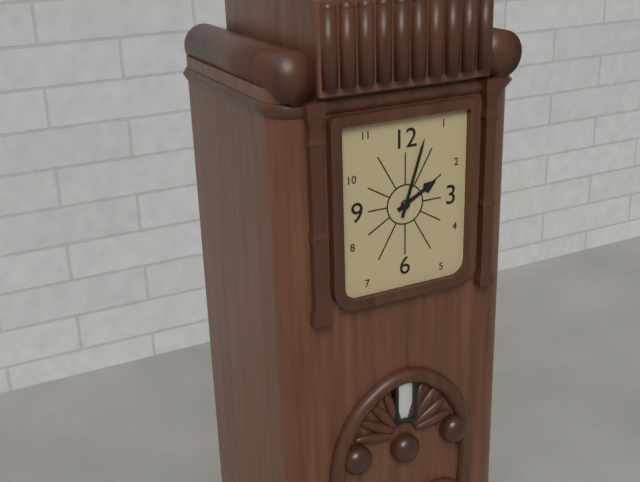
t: 2:03
